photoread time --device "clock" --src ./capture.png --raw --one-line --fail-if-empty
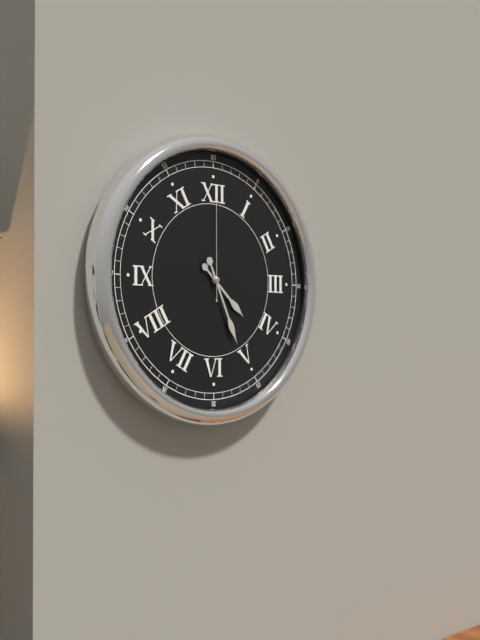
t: 4:26:00
